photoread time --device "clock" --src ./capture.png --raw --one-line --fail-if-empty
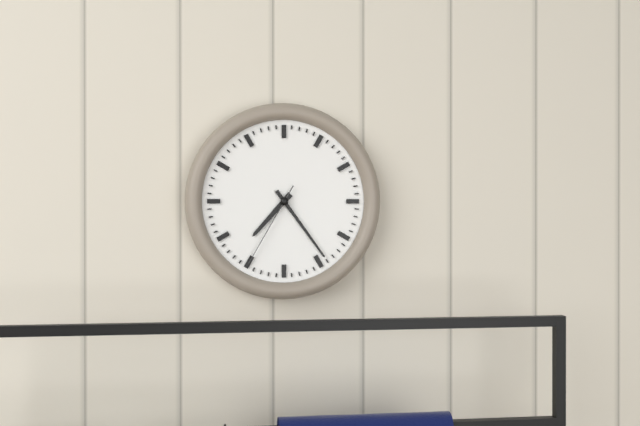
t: 7:24:35
